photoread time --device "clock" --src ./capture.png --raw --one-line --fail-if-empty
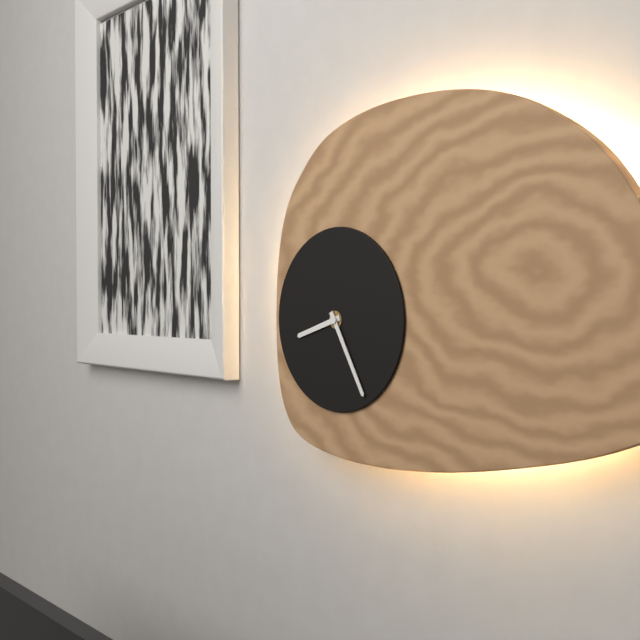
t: 8:25
